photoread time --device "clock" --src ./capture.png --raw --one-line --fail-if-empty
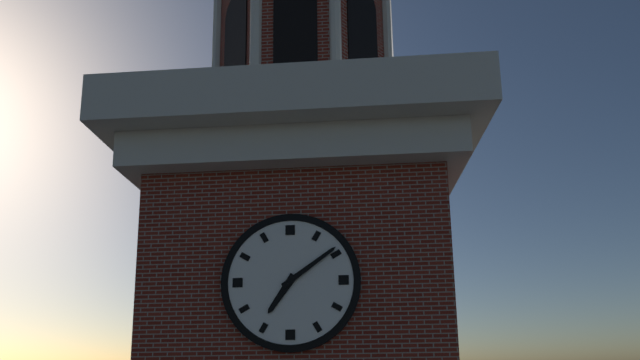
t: 7:09
